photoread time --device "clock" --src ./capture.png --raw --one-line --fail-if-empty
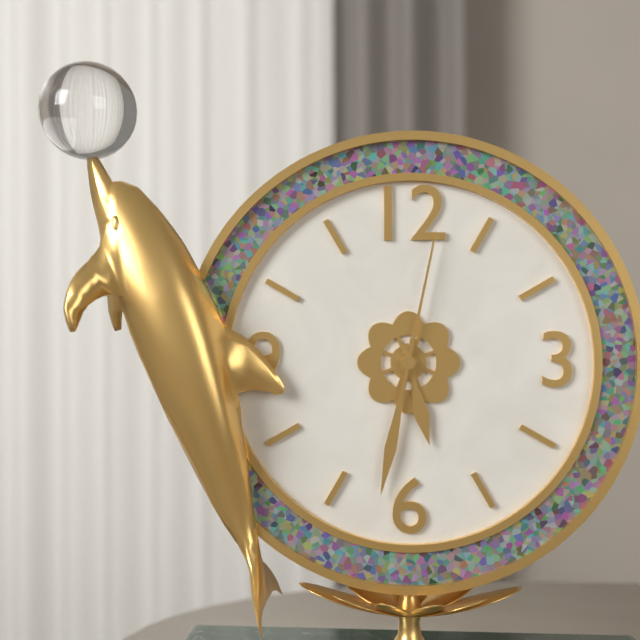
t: 5:32:02
